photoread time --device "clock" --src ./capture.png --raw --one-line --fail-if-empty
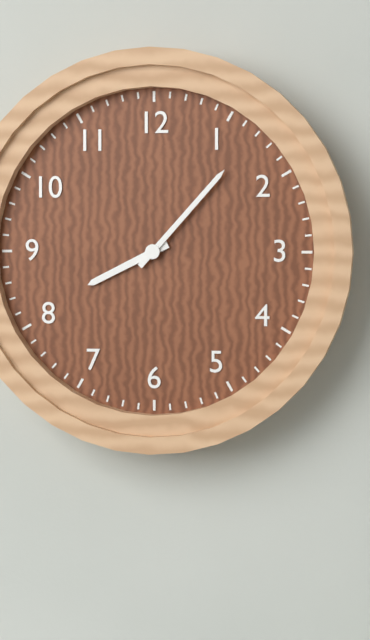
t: 8:07
